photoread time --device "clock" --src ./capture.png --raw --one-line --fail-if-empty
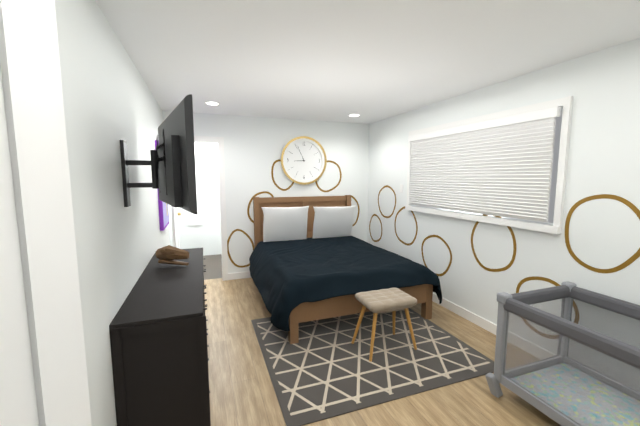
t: 8:56
